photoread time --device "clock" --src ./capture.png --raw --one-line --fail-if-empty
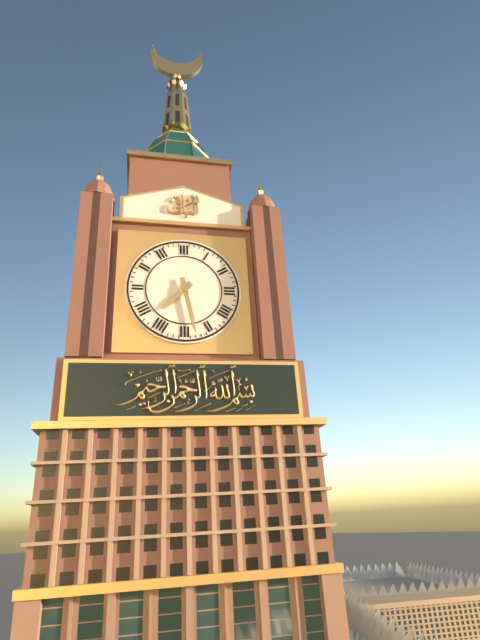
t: 7:28
